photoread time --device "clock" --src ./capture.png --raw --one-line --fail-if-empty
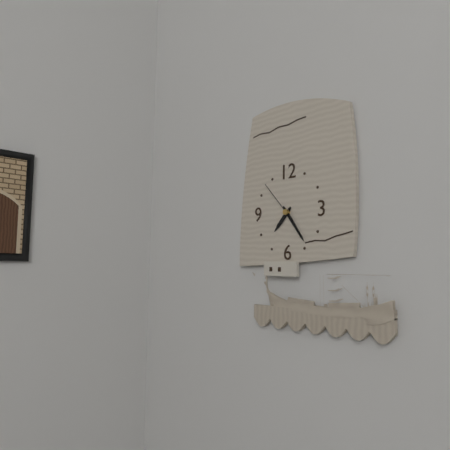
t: 7:24
